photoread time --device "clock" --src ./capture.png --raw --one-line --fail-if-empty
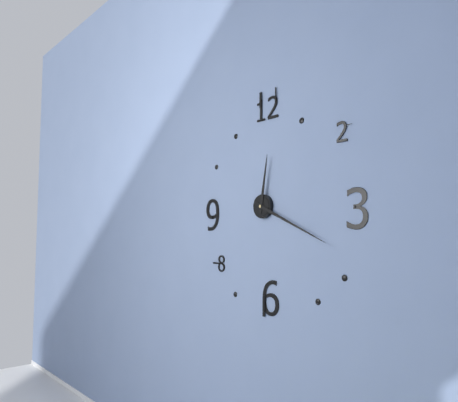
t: 12:19
